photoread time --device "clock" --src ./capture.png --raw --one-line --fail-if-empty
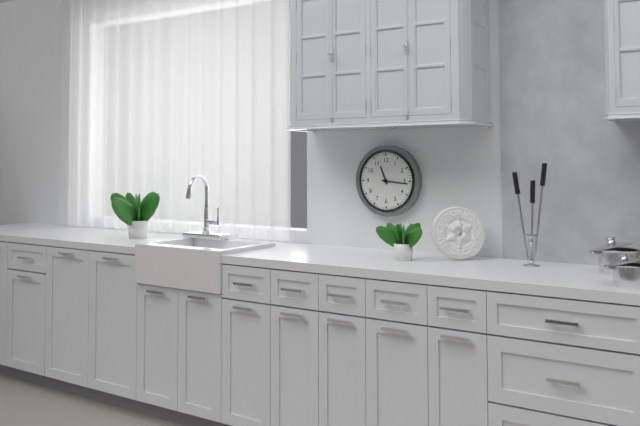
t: 11:16
